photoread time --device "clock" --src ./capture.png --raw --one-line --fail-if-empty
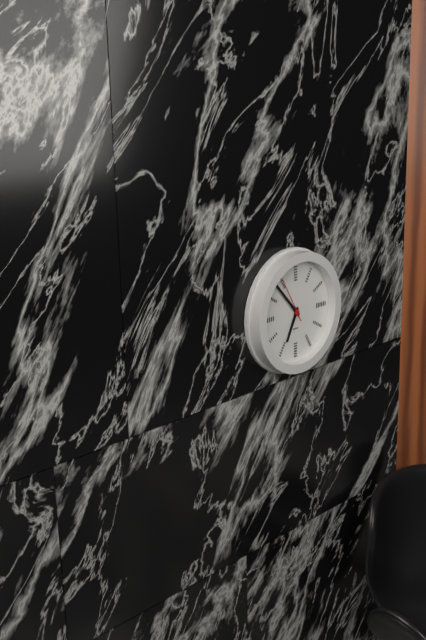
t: 6:53
